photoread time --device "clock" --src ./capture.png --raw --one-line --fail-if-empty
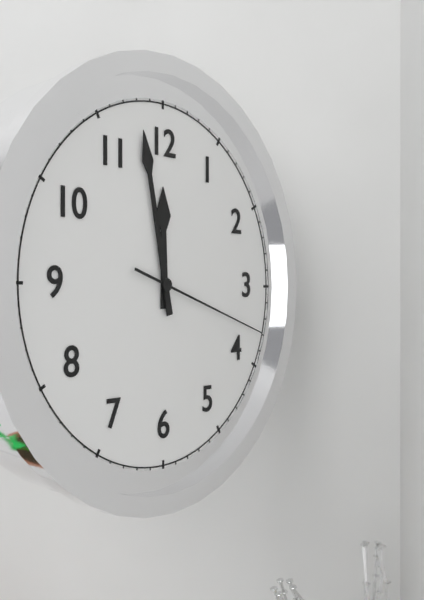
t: 11:58:18
